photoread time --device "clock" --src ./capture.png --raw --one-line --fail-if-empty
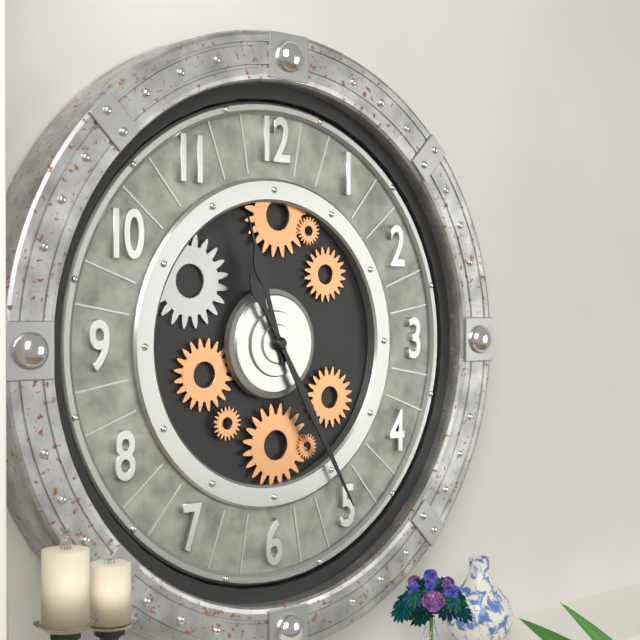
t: 11:25
